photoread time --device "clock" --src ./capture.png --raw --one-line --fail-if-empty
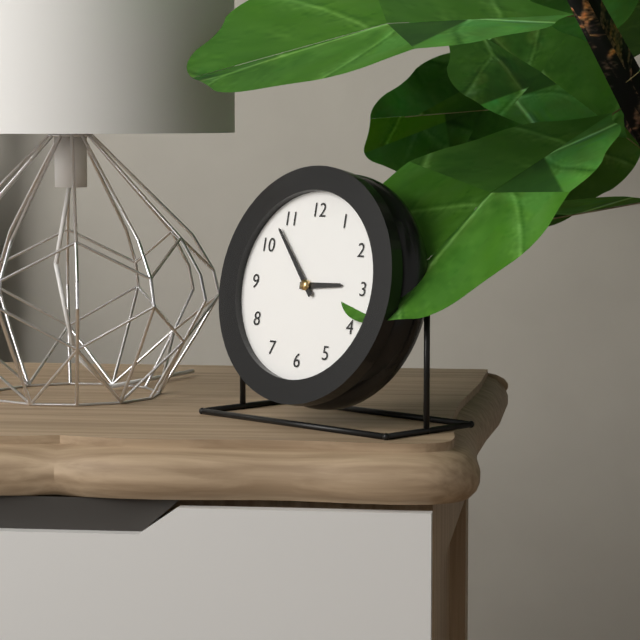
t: 2:53
